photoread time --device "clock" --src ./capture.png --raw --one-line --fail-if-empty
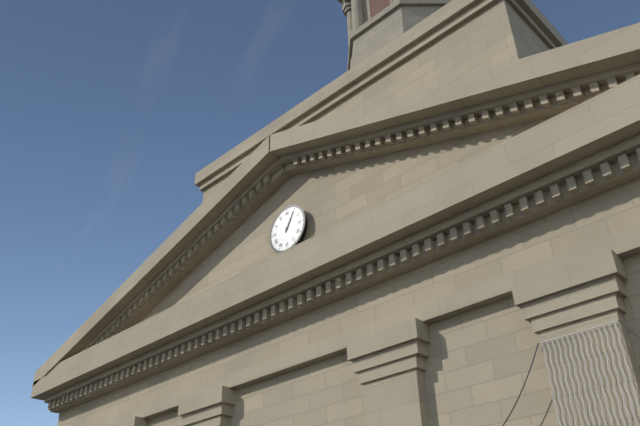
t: 1:05
